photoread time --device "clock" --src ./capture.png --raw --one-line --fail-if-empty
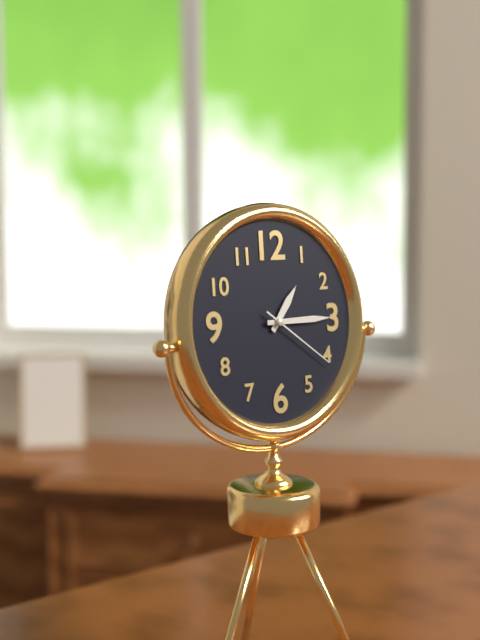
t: 1:15:21
